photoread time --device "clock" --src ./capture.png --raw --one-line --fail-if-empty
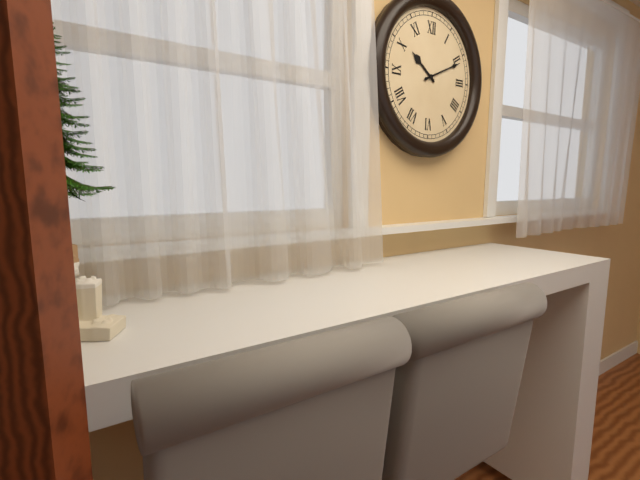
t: 10:11
